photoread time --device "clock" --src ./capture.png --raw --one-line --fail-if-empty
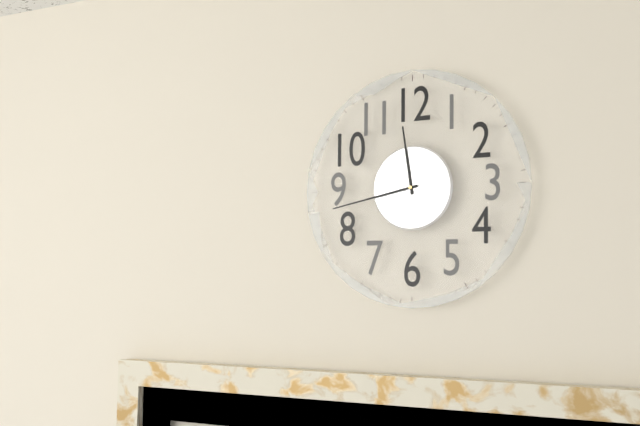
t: 11:43
